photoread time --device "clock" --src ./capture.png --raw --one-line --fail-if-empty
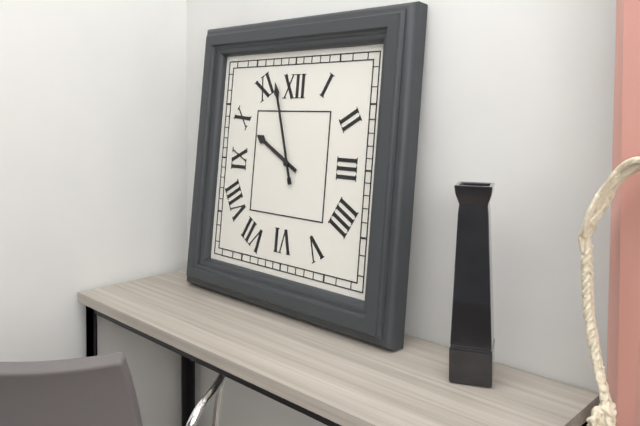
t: 9:57
